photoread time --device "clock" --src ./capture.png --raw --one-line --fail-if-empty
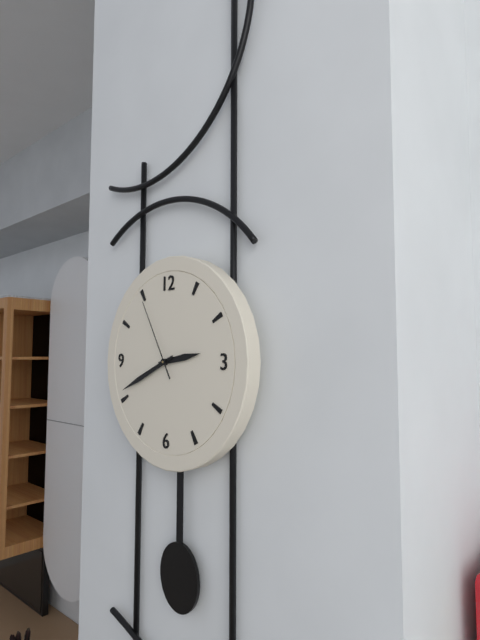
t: 2:41:55
